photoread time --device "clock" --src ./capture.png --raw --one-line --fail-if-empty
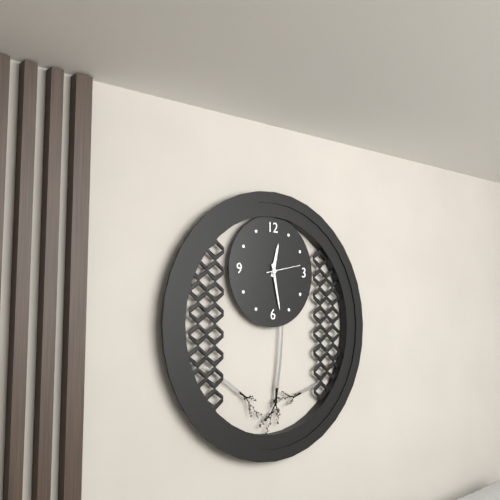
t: 12:28
